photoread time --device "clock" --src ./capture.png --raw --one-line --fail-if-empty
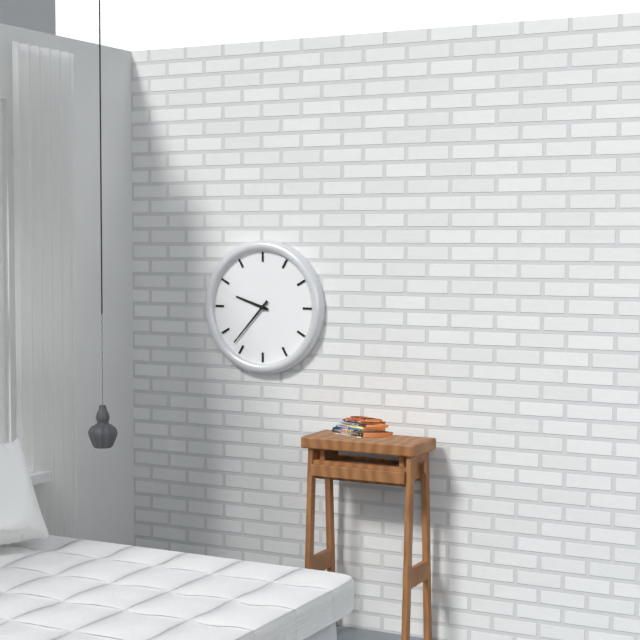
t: 9:37
